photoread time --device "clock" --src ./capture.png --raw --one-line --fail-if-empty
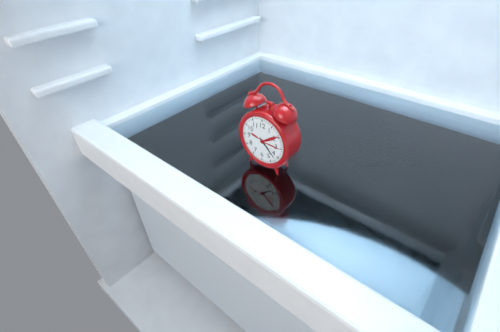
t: 4:22
